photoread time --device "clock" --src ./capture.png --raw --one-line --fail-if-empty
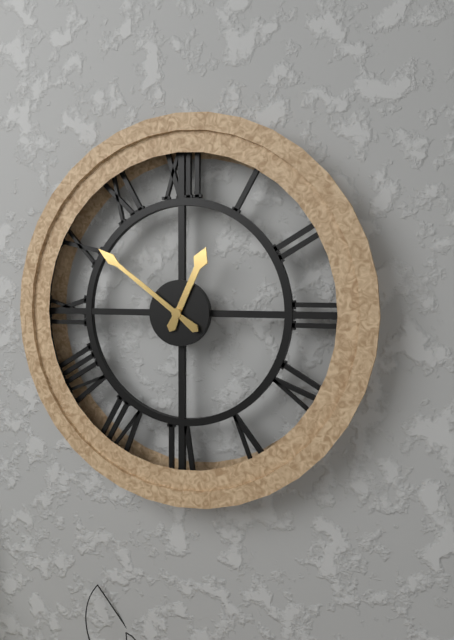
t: 12:51
